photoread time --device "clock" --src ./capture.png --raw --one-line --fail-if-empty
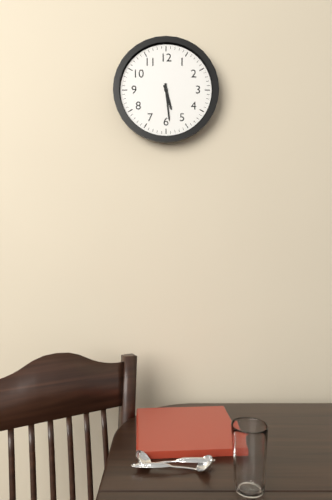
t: 5:29
